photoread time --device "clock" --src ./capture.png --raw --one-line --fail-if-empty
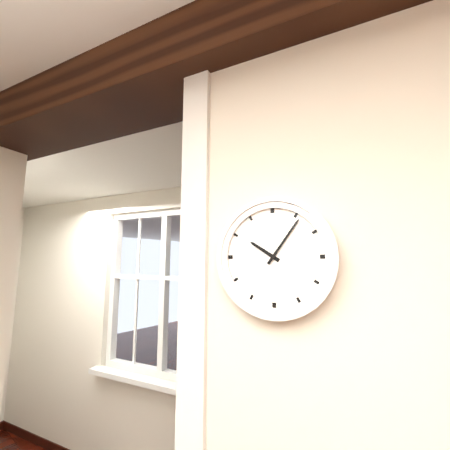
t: 10:06
